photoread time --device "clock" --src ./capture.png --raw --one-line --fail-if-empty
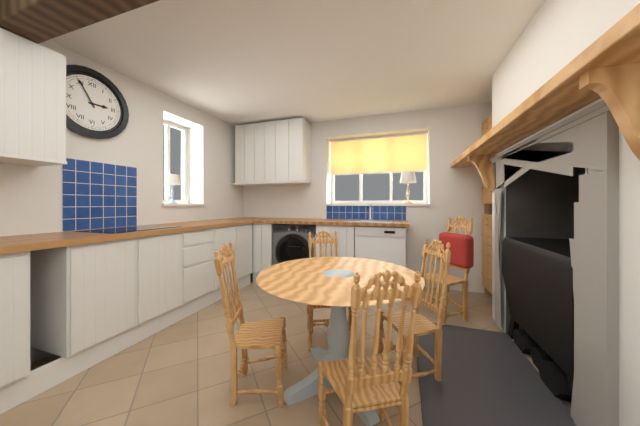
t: 2:55
